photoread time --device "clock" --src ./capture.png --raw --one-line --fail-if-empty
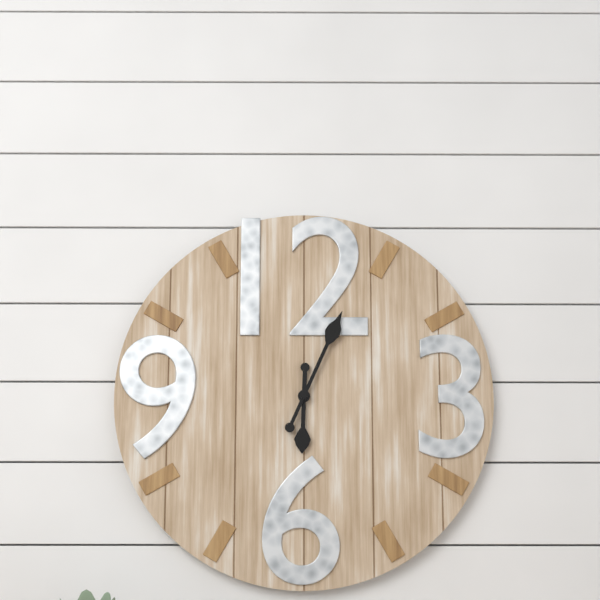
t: 6:04
